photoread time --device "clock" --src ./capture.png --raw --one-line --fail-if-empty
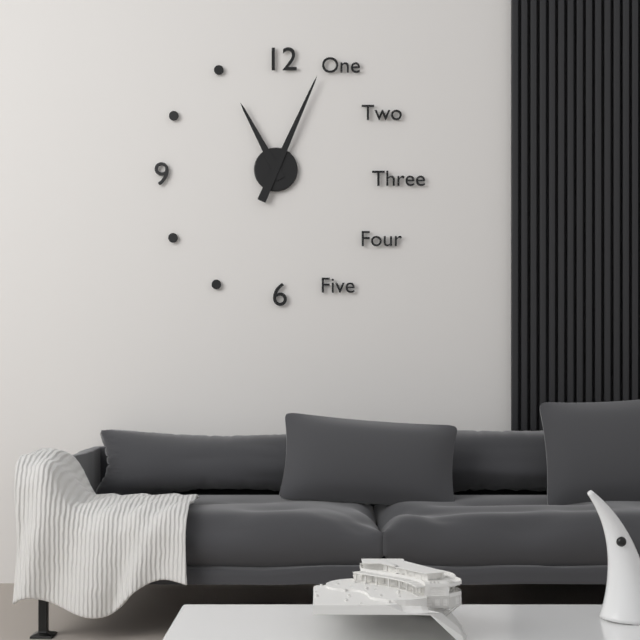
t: 11:04
